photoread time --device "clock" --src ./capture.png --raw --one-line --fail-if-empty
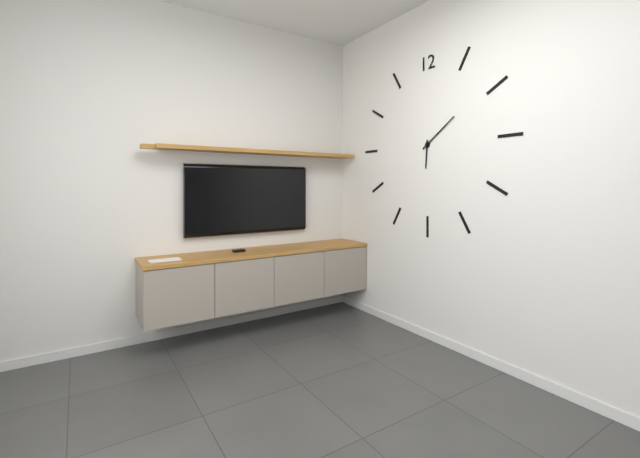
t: 6:09
